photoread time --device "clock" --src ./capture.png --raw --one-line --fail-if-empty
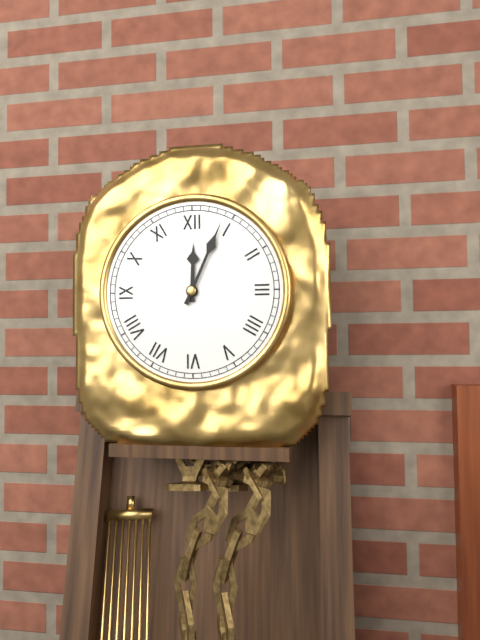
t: 12:04
